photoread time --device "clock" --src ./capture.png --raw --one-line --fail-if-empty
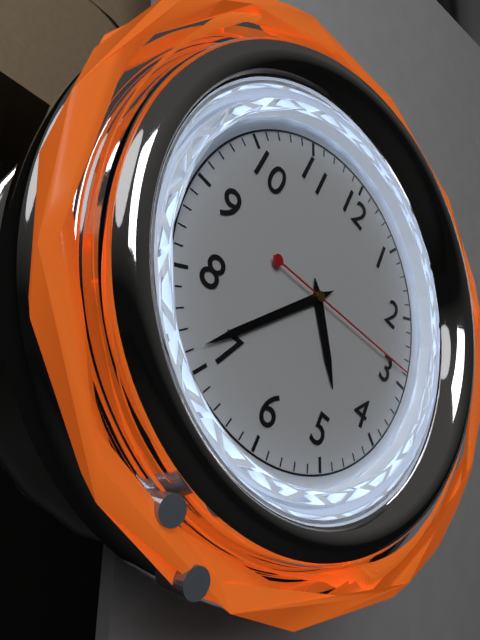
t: 4:36:14
